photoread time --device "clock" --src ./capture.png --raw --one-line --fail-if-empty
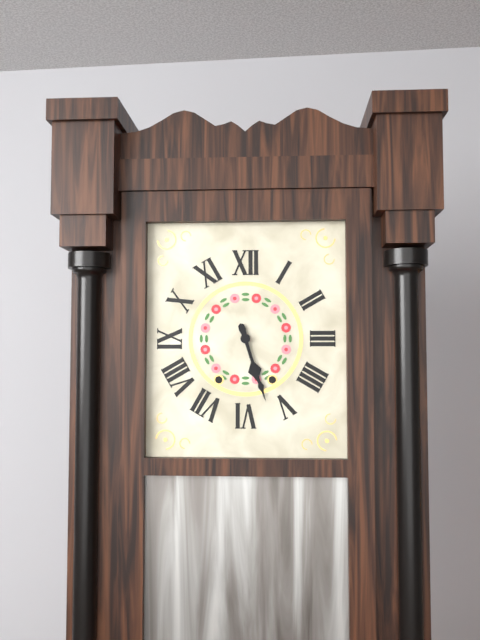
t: 5:27
